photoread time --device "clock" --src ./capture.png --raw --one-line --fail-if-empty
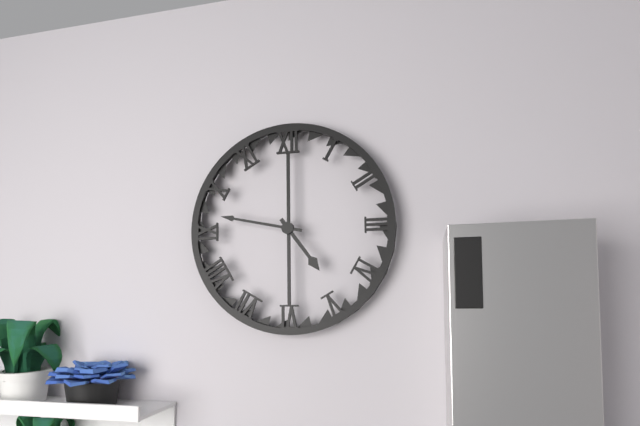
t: 4:47
